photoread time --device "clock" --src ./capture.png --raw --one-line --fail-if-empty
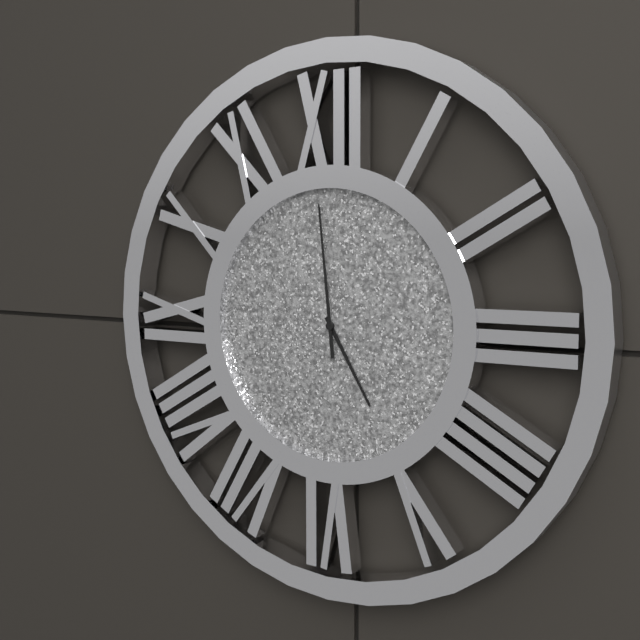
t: 4:59
